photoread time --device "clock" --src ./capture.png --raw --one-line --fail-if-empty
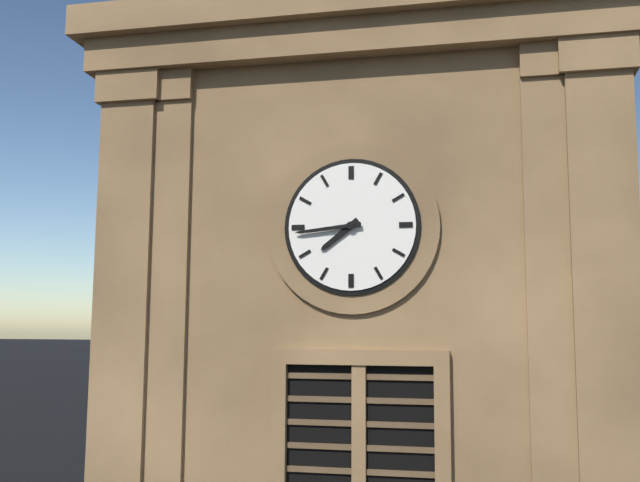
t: 7:44
